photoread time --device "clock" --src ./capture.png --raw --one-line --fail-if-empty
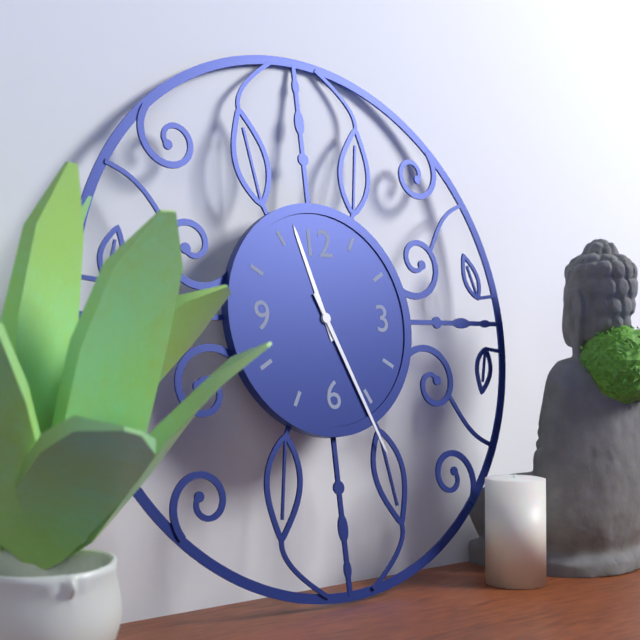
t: 11:26
